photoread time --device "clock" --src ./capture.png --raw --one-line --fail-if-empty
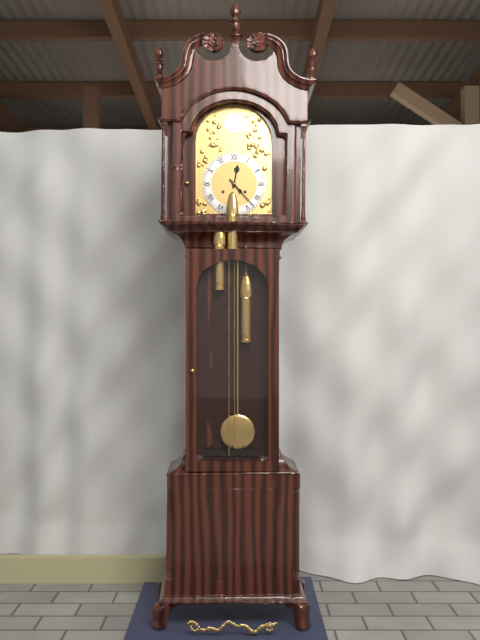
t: 12:23
